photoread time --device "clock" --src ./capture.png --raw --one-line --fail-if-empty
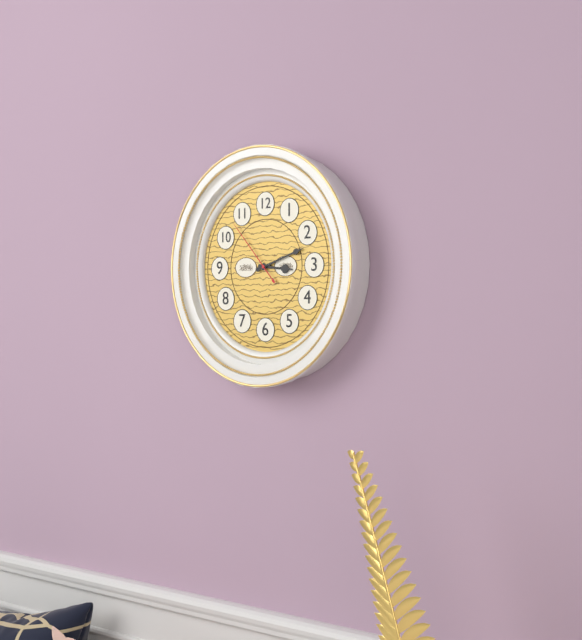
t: 3:12:53
